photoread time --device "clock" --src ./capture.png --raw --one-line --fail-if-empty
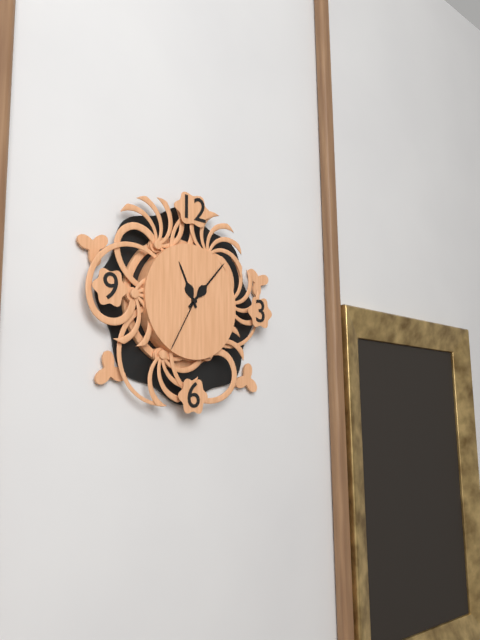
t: 11:07:35
